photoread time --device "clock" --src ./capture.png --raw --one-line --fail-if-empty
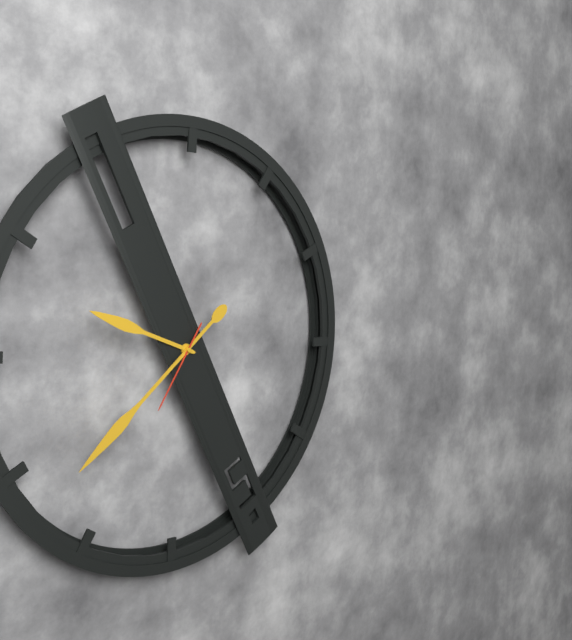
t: 9:38:35
